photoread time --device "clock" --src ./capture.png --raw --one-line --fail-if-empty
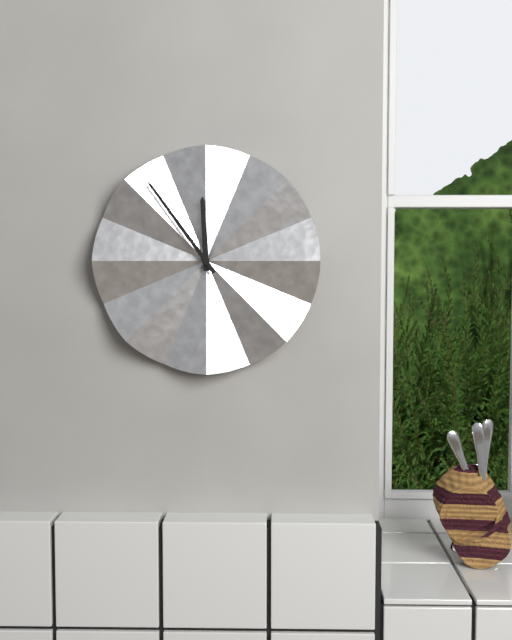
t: 11:54
